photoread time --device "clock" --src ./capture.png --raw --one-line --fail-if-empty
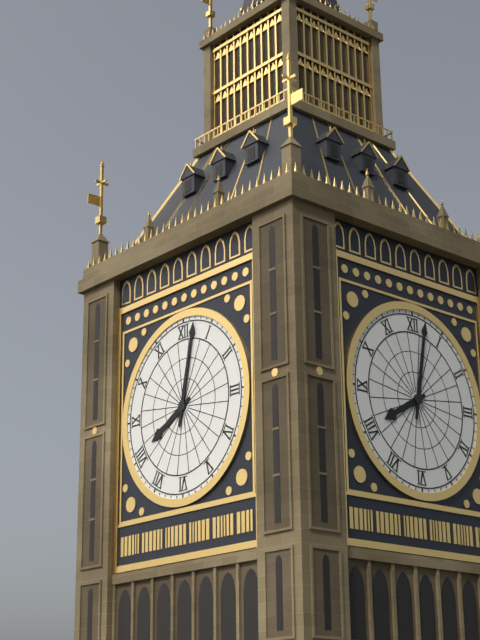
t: 8:02
